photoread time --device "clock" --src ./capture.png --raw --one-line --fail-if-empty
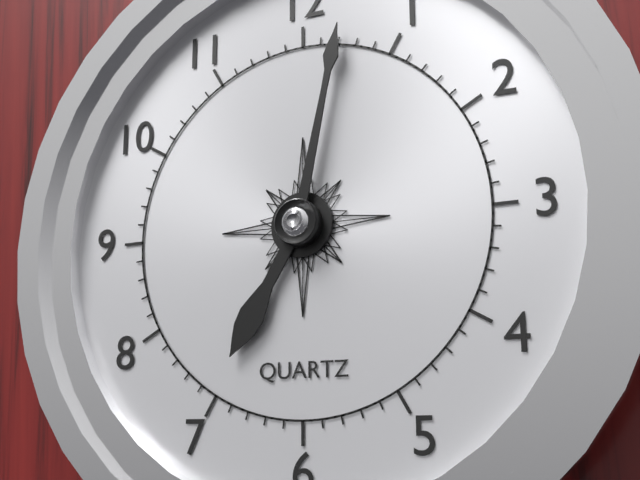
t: 7:02
